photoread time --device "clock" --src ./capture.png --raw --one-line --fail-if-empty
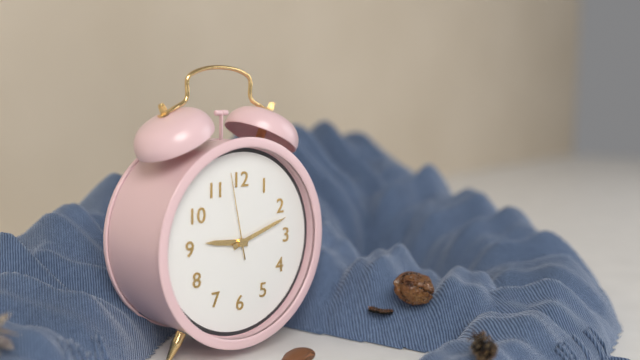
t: 9:12:58
